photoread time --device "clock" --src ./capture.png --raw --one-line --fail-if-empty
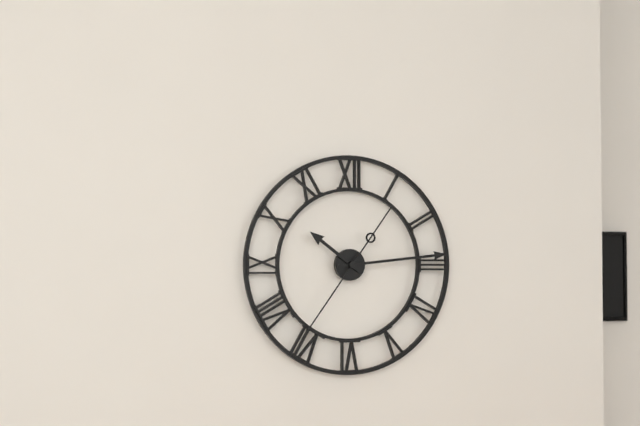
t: 10:14:36
